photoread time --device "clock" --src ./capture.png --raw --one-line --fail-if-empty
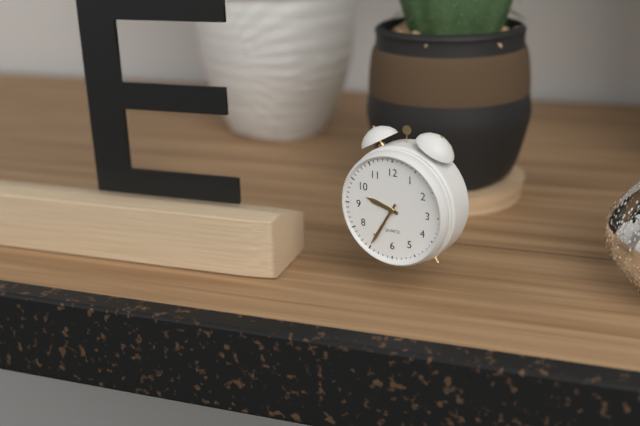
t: 9:35
